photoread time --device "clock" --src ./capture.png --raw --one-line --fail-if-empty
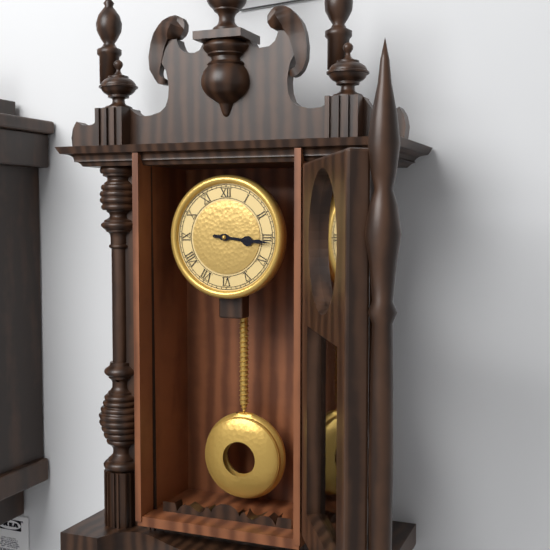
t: 3:16
